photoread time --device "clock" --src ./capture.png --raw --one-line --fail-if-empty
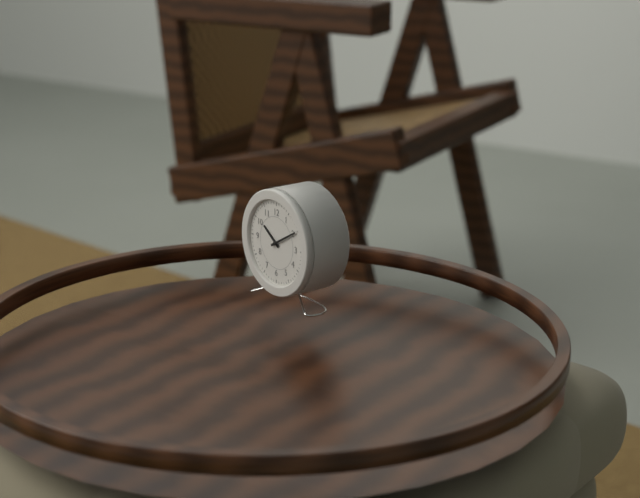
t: 10:10
